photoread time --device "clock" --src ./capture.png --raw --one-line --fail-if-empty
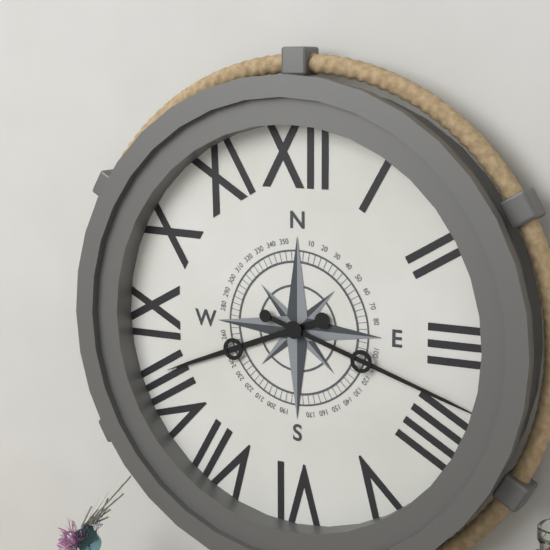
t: 8:18
